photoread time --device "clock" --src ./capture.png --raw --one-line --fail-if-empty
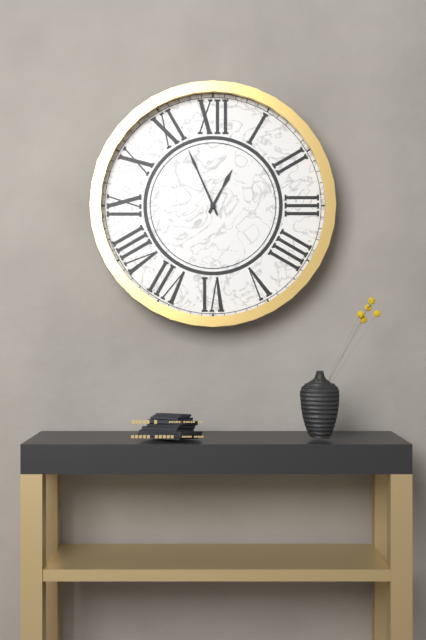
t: 12:56
